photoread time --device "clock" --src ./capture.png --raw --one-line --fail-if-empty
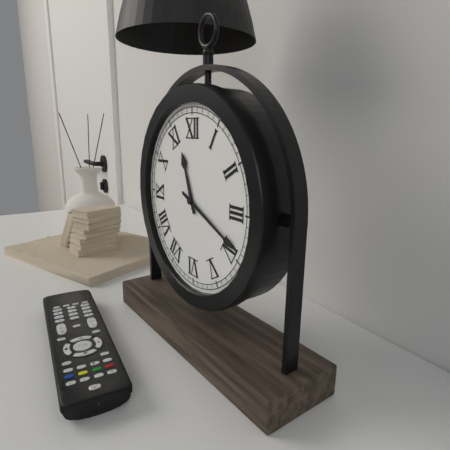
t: 11:19
